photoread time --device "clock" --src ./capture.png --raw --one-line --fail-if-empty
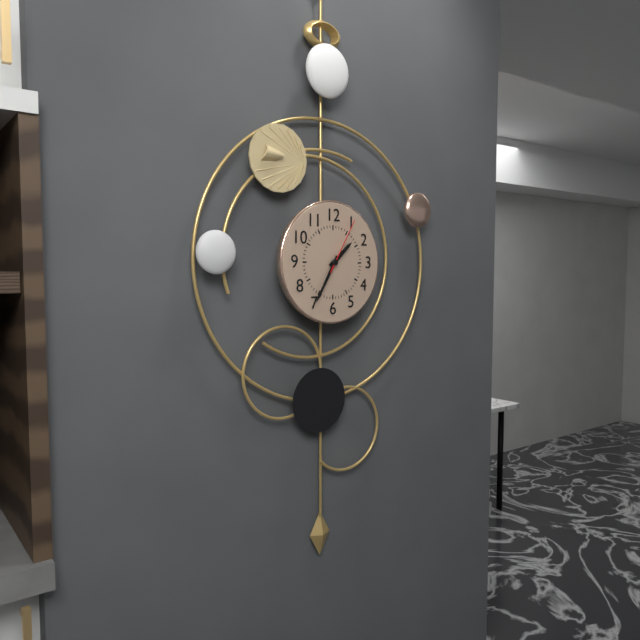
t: 1:35:05
